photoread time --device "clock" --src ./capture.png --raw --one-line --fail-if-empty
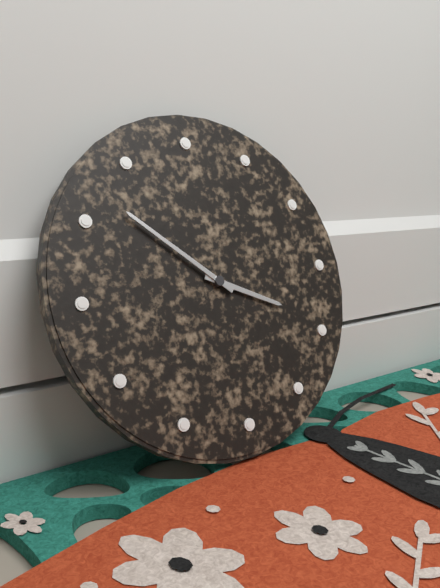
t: 3:52
